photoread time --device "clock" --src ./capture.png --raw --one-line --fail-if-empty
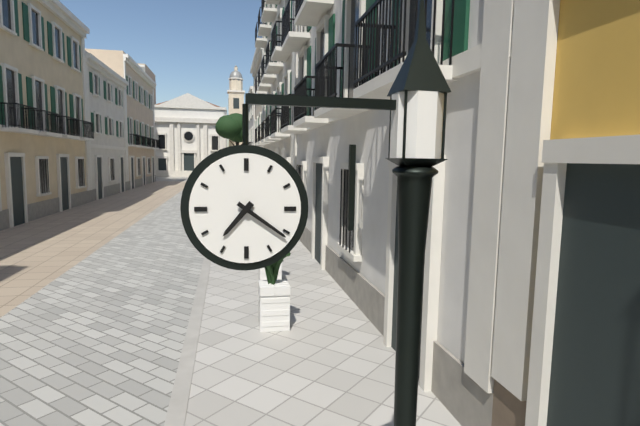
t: 7:21
